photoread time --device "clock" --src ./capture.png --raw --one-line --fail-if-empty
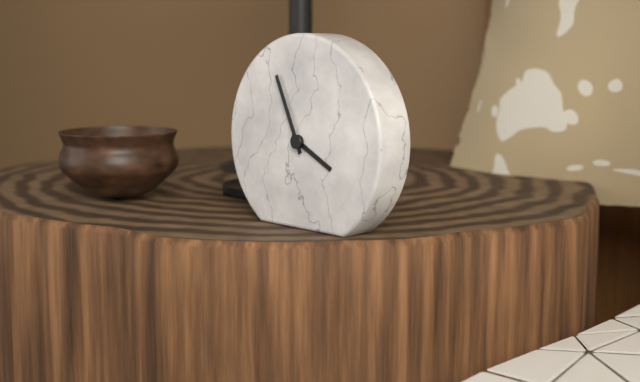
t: 3:56
